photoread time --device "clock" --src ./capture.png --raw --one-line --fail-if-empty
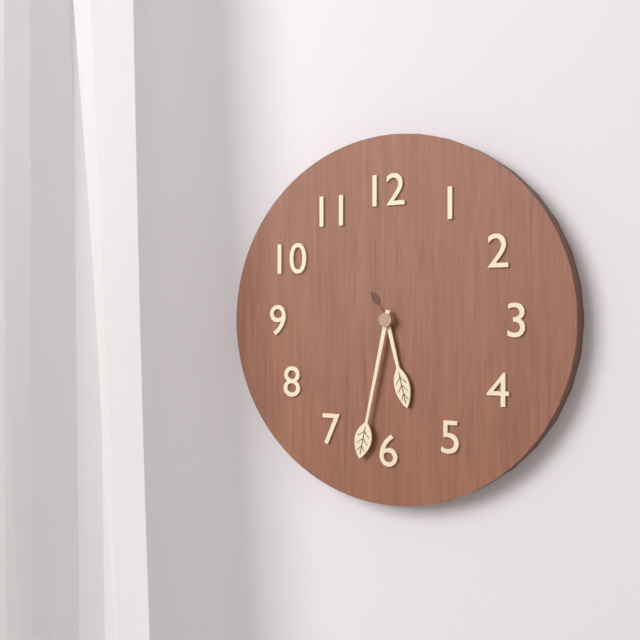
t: 5:32
